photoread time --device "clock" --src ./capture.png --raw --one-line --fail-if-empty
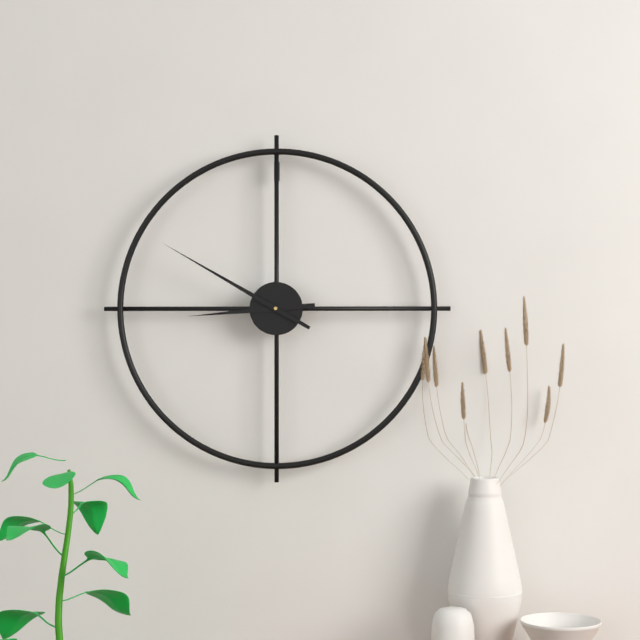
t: 8:50
